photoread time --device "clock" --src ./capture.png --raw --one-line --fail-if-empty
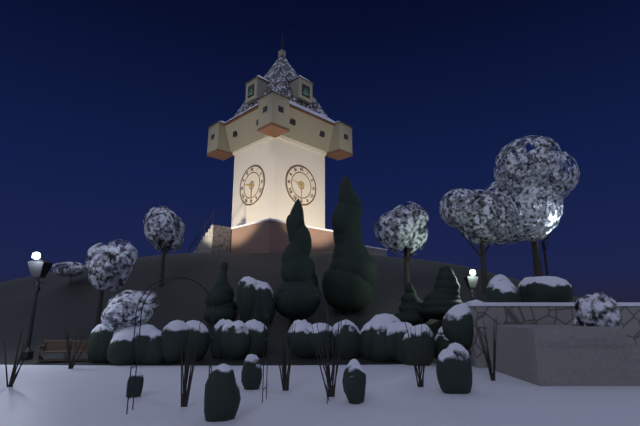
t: 9:30
